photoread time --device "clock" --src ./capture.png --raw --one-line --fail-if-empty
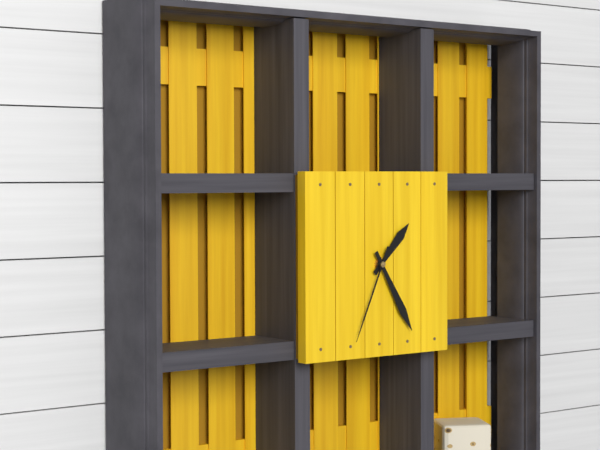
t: 1:25:34
